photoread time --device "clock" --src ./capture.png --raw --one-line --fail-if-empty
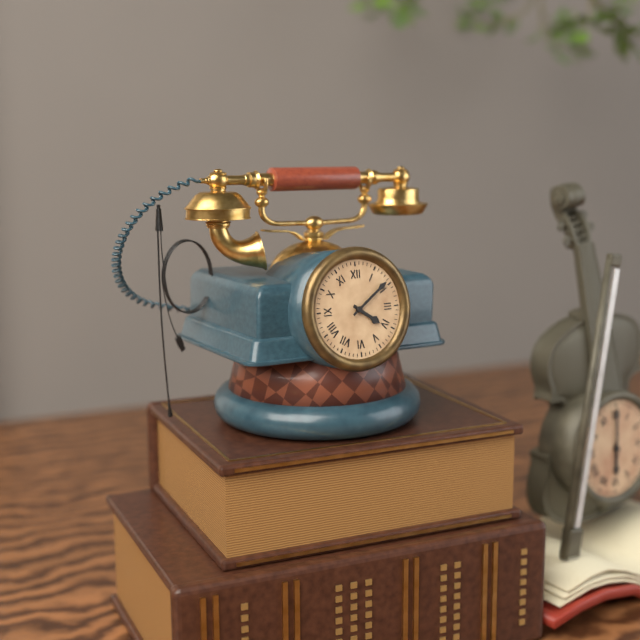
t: 4:09
